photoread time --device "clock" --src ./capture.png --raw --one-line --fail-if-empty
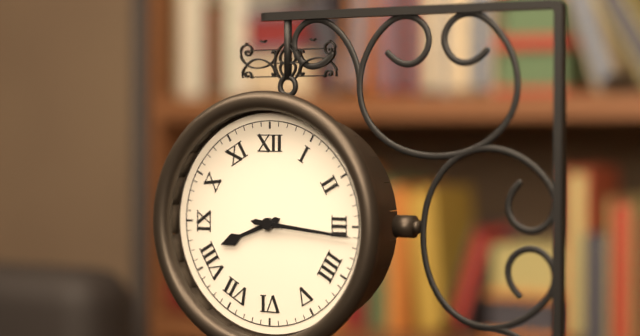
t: 8:16
